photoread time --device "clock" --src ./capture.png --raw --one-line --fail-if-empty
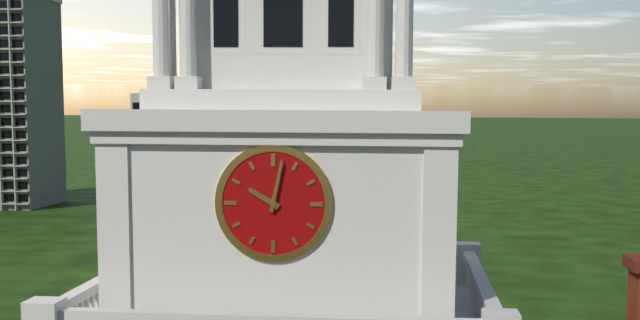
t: 10:02
